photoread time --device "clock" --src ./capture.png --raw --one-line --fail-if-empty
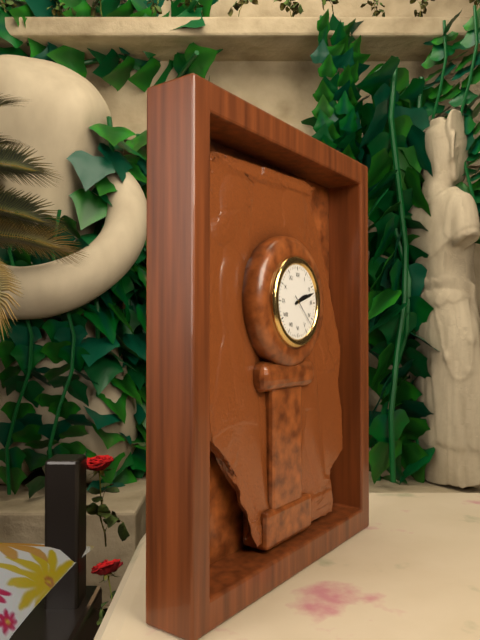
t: 2:12
